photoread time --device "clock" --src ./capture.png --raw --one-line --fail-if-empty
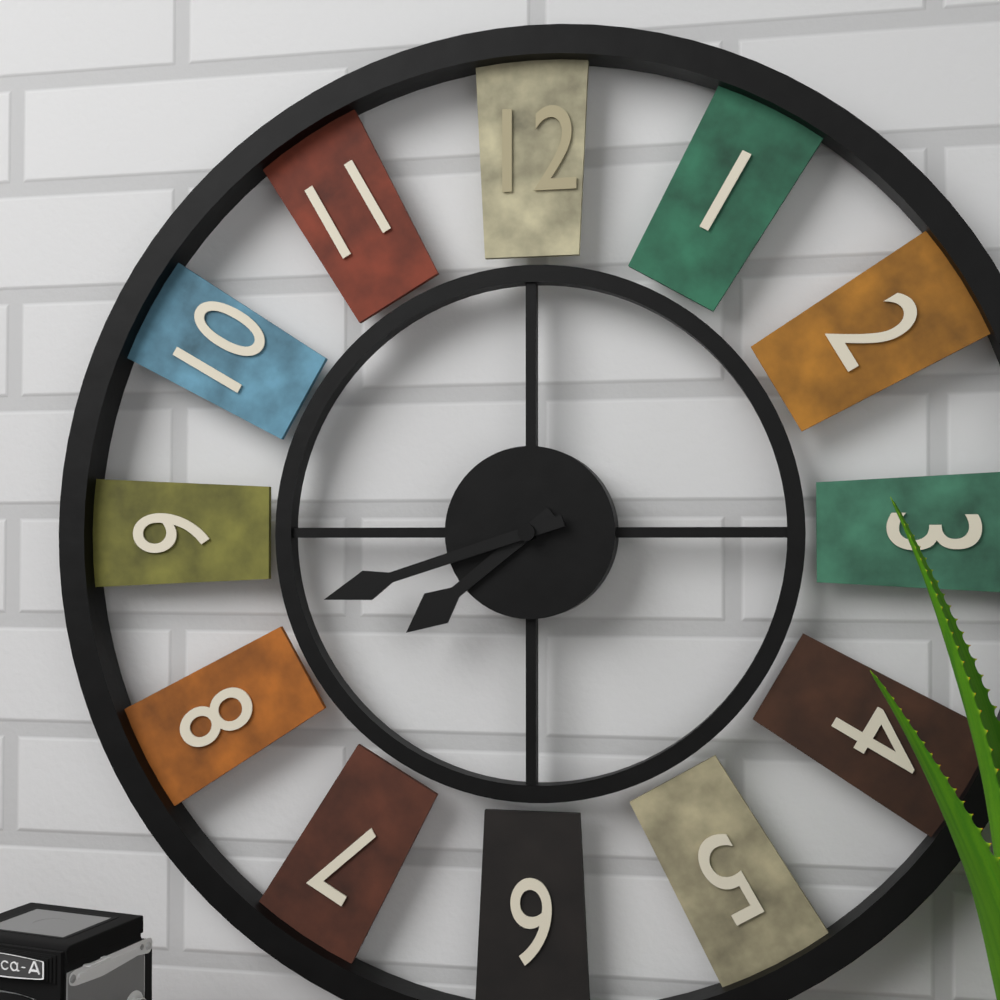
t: 7:42
